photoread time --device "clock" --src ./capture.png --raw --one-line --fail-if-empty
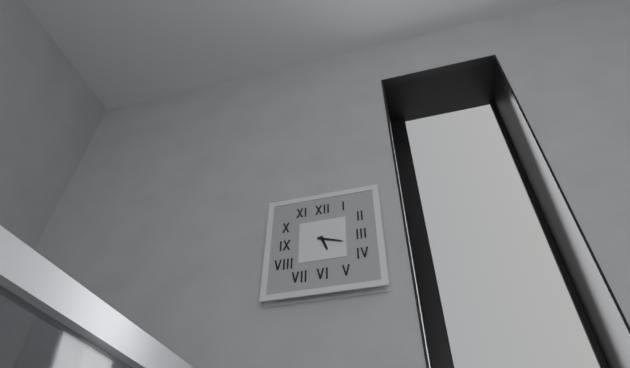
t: 5:18
